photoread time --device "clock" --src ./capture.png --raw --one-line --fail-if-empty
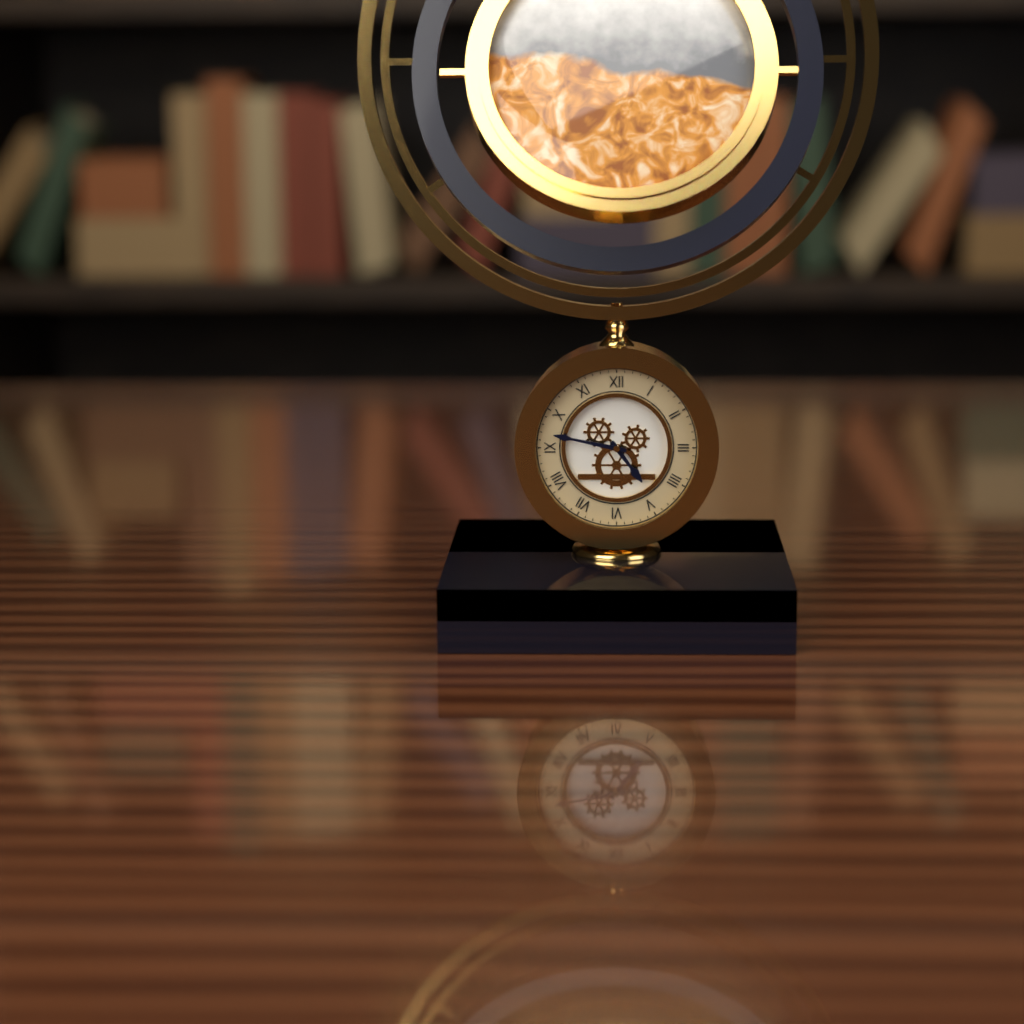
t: 4:47
